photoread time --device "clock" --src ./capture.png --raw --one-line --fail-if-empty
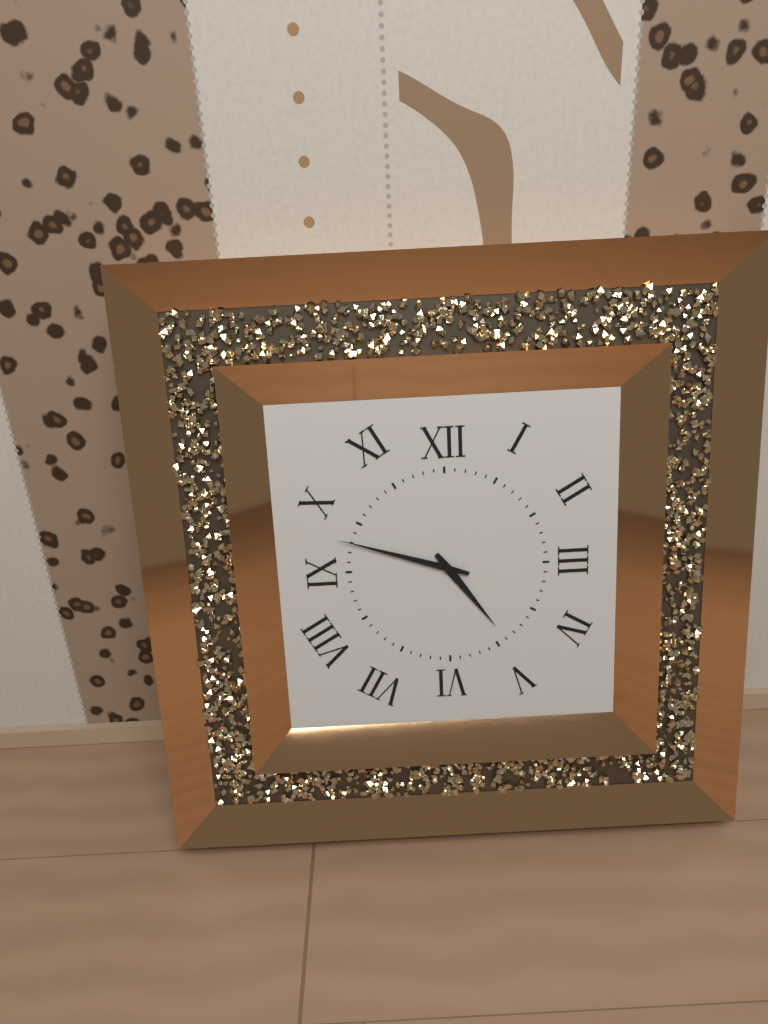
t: 4:48
